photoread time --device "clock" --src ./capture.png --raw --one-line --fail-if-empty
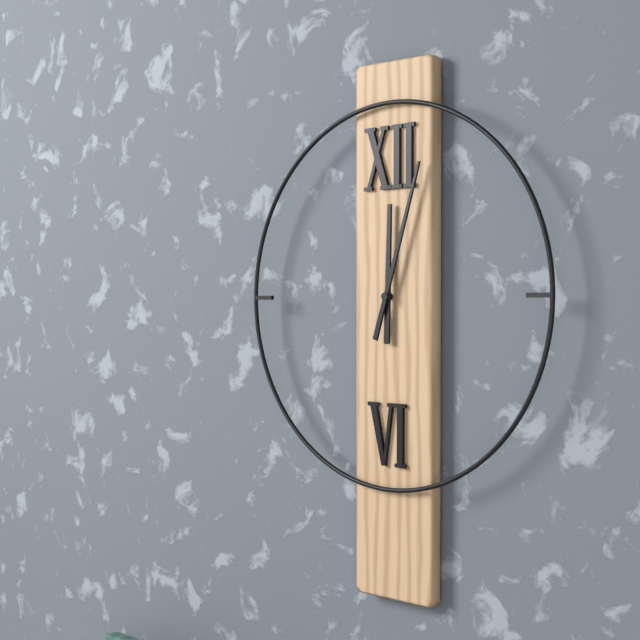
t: 12:03
